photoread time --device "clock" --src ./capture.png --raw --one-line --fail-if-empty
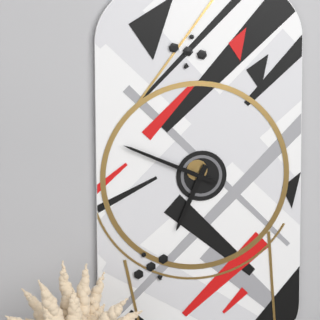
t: 6:49
